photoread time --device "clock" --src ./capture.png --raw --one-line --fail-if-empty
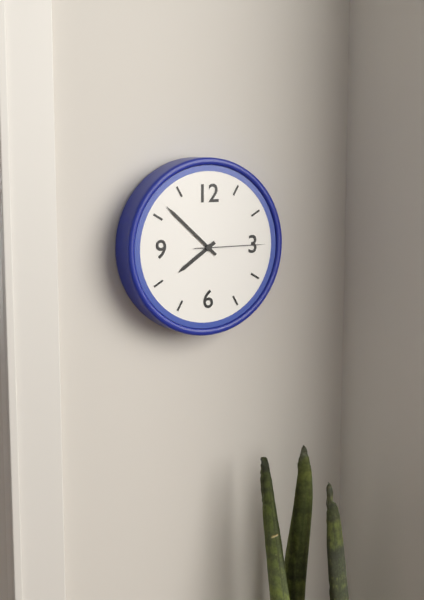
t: 7:52:15
